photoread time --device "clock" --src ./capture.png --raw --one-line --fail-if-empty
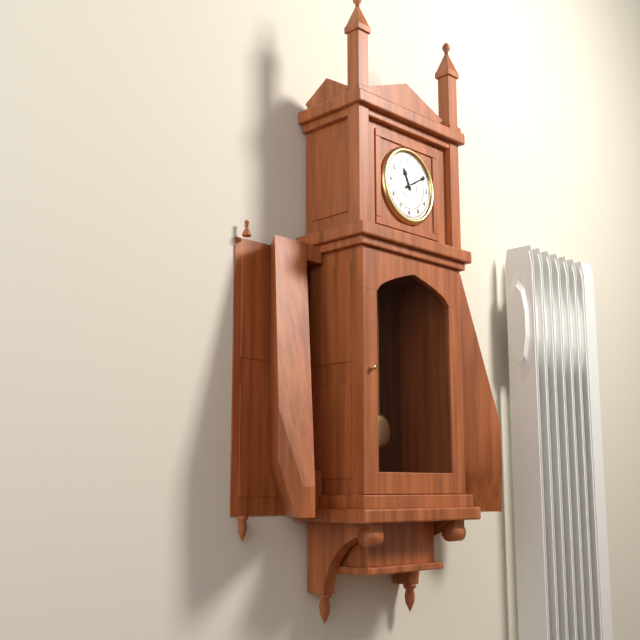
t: 11:10
